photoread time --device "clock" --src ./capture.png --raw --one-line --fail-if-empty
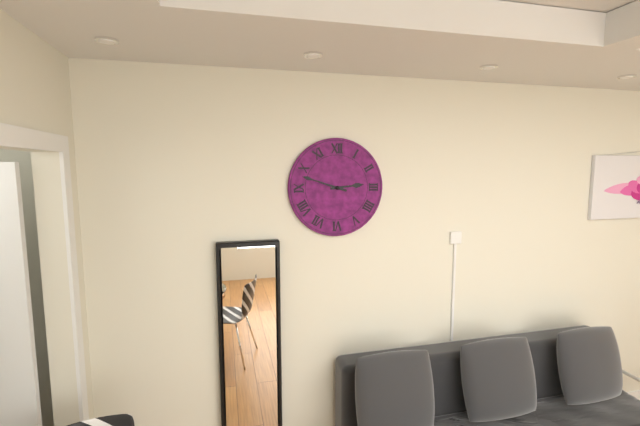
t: 2:48
